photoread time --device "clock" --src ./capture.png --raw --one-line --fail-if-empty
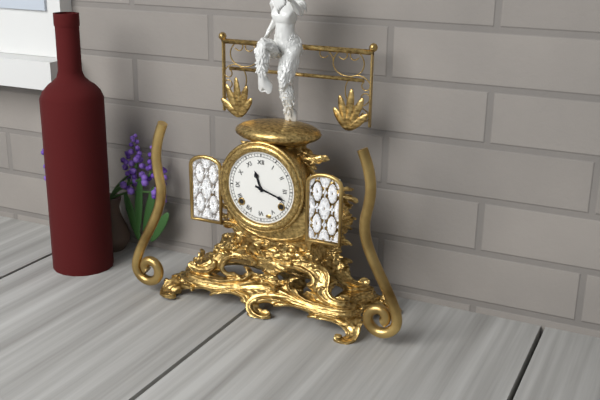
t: 11:18
